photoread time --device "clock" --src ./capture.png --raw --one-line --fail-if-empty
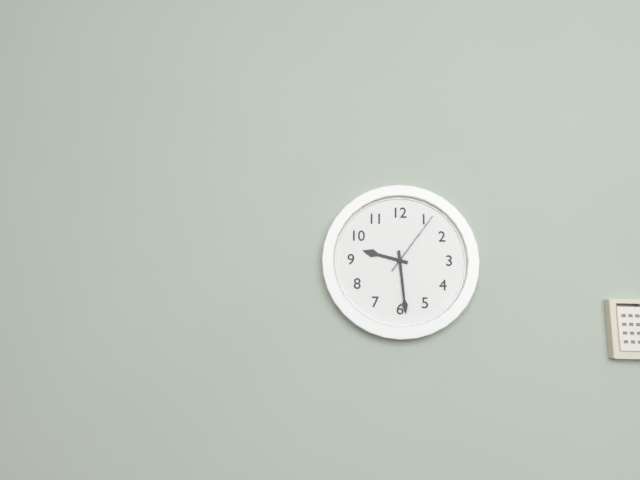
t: 9:29:06
